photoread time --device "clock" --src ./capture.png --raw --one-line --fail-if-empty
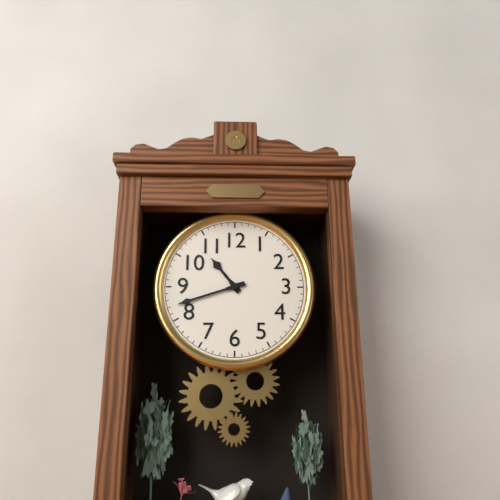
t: 10:42
